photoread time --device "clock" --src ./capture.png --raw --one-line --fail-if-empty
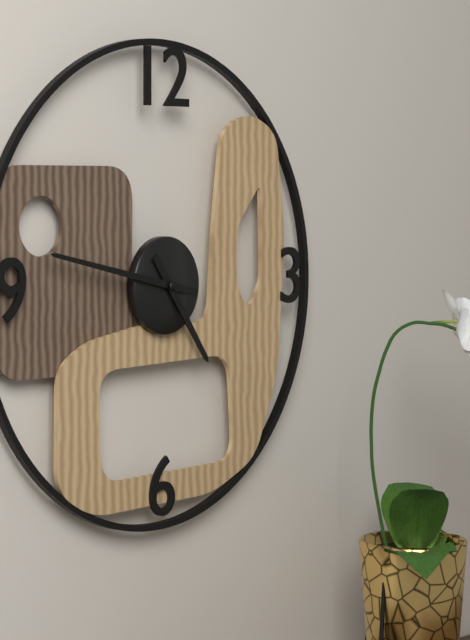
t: 4:47
